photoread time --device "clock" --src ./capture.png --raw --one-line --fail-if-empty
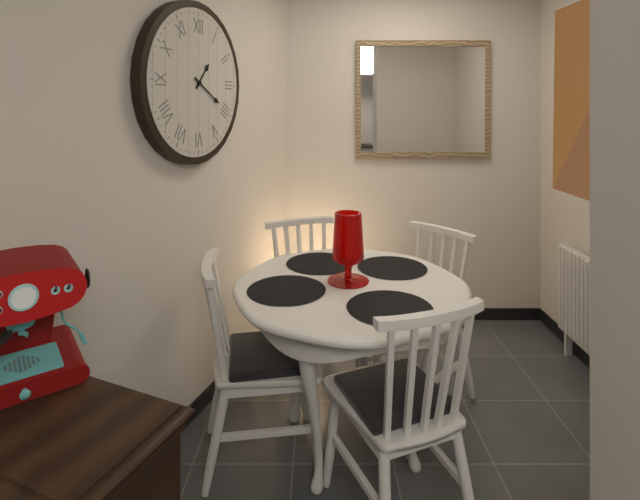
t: 1:20
